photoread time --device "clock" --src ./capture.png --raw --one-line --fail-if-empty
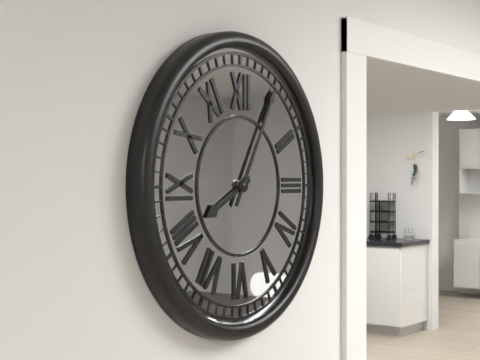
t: 8:05
